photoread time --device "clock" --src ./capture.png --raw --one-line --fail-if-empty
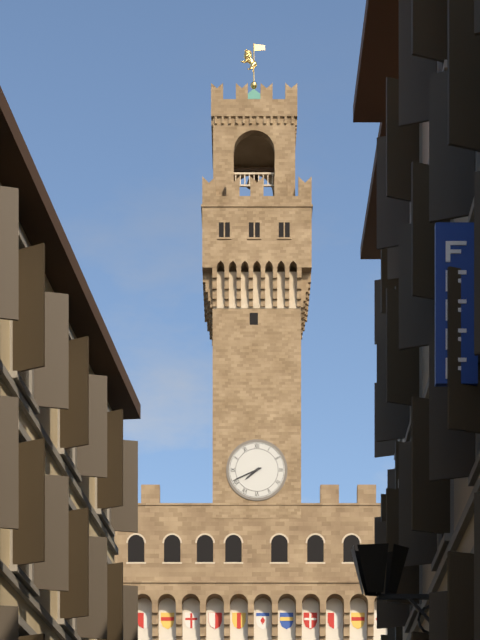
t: 7:41
